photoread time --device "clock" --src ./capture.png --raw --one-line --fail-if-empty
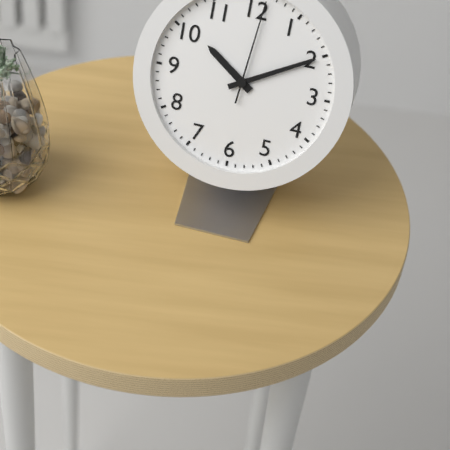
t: 10:10:01
